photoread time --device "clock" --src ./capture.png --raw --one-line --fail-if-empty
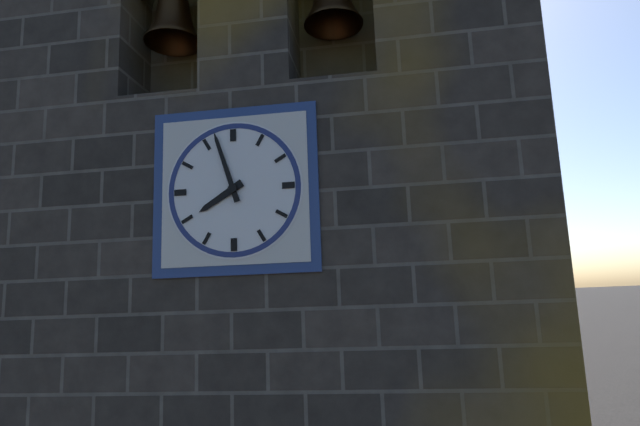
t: 7:57
